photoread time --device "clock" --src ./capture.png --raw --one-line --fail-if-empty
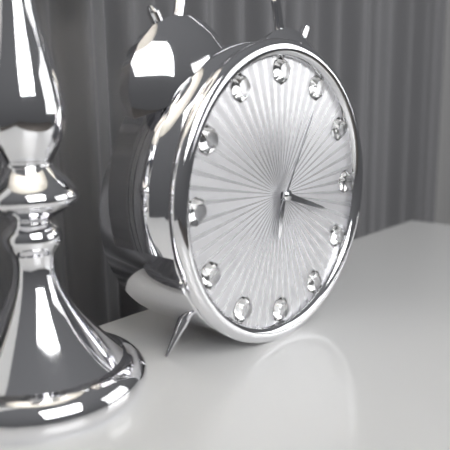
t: 6:18:05
